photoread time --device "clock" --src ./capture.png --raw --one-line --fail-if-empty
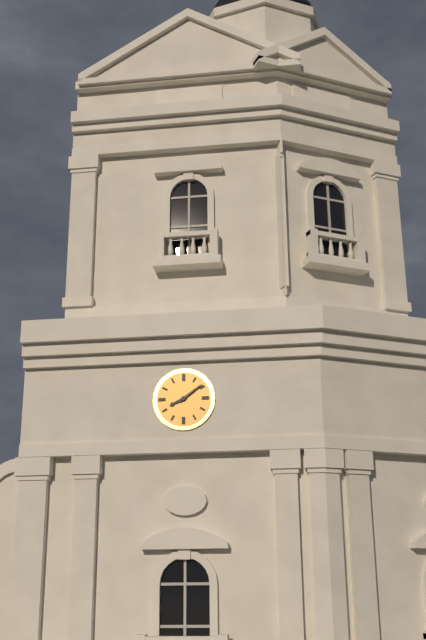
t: 8:09
